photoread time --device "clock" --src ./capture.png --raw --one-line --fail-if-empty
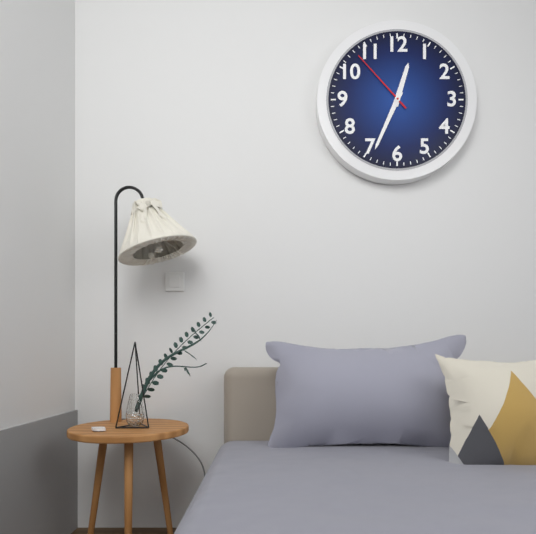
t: 12:34:53
